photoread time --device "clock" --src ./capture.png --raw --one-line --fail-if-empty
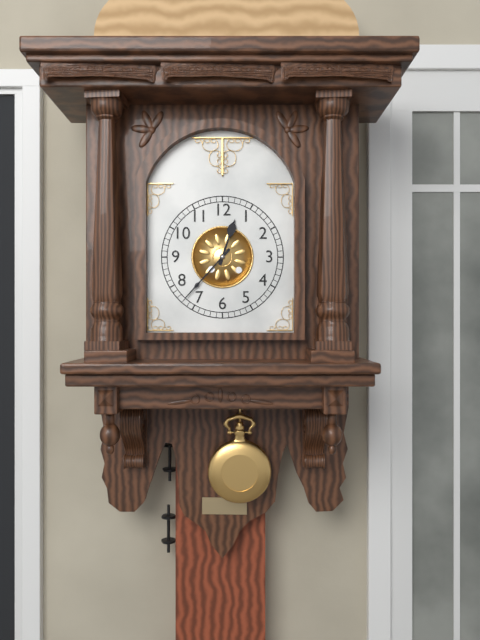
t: 12:37
